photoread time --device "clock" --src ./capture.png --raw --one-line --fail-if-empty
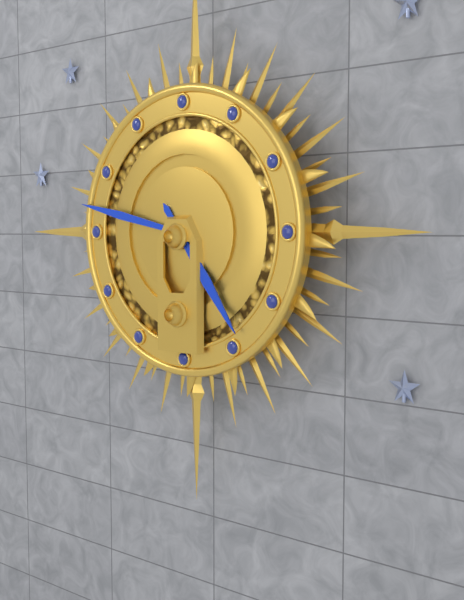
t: 4:47
